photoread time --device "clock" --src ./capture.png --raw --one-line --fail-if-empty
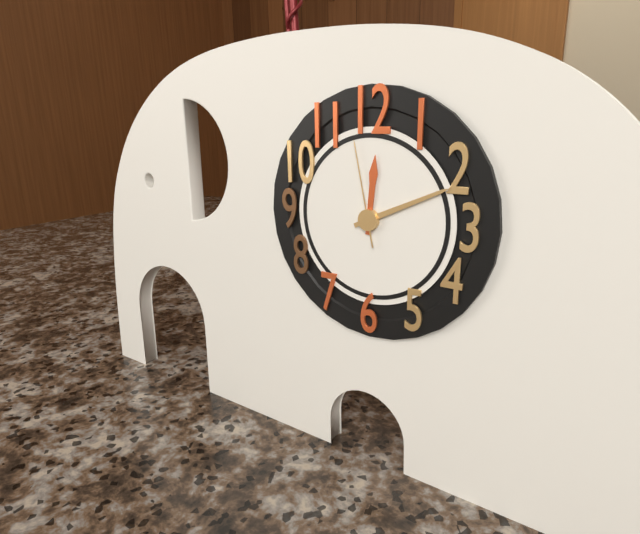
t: 12:11:58
